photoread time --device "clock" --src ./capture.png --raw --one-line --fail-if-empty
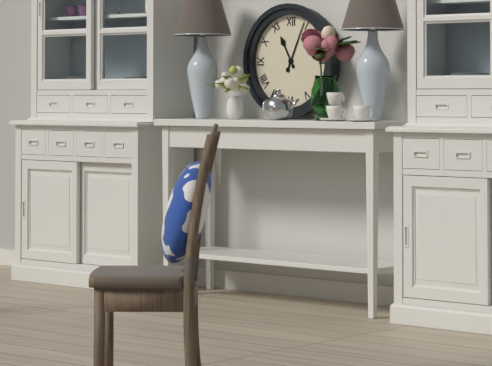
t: 11:04
